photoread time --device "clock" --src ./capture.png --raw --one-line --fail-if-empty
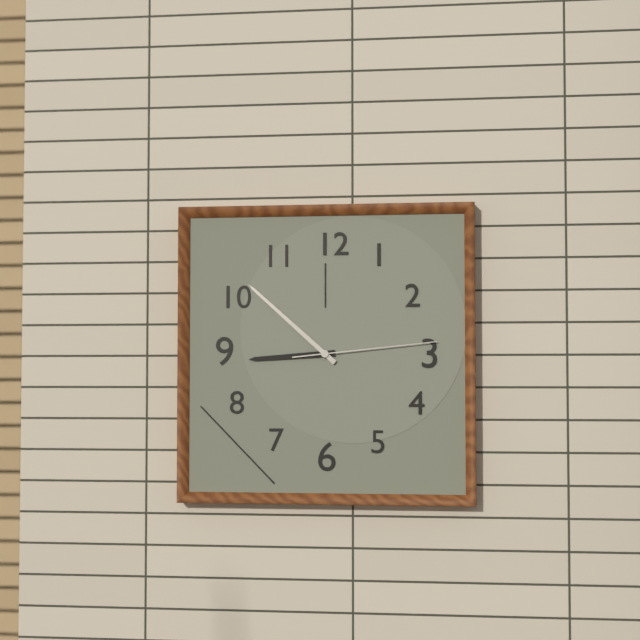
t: 8:52:14
